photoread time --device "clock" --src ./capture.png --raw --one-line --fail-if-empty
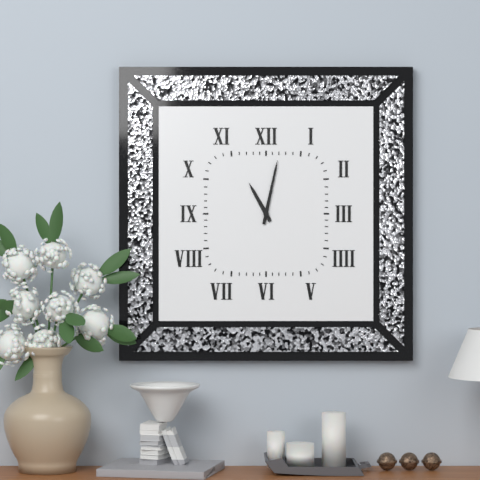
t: 11:02
